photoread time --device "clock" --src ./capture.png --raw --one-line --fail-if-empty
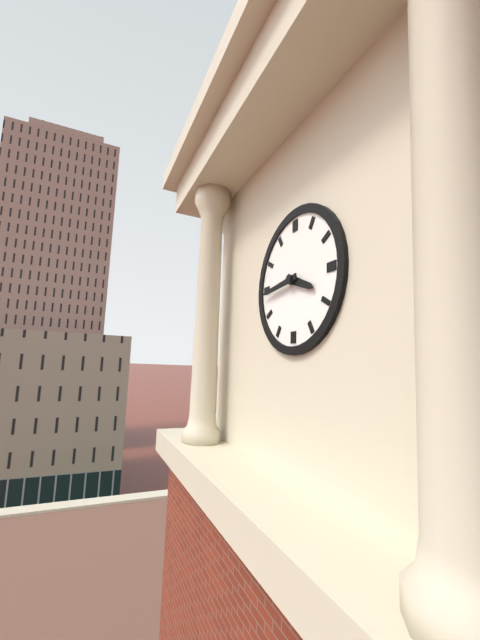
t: 3:44
